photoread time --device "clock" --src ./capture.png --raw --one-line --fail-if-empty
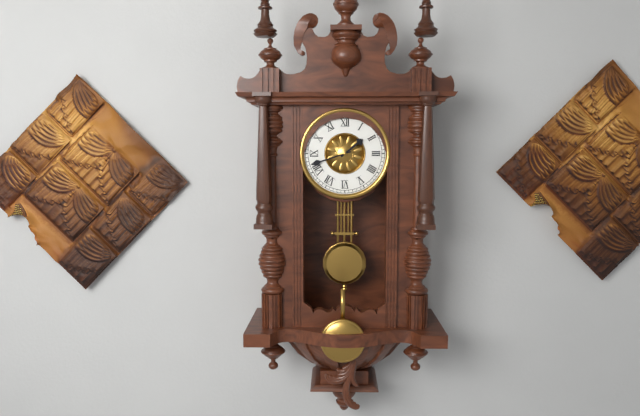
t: 1:42
